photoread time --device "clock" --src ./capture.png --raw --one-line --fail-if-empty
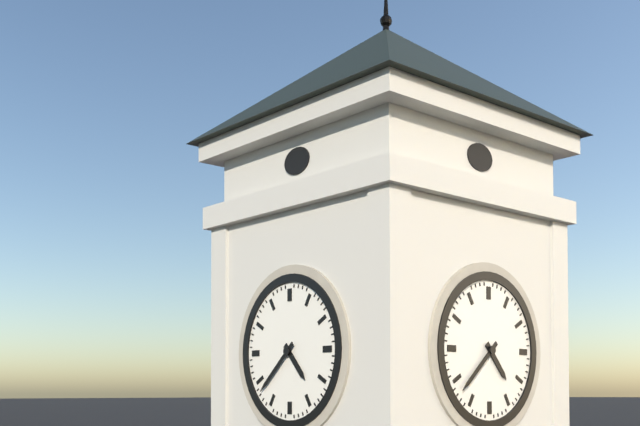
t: 4:38
